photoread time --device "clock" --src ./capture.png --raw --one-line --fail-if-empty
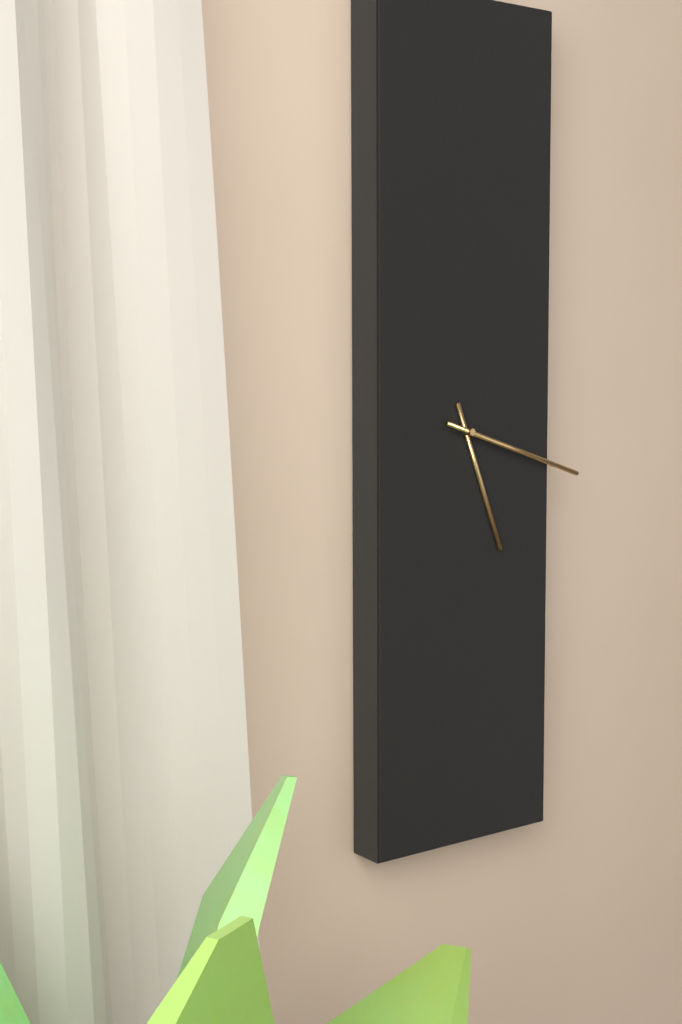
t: 5:18
